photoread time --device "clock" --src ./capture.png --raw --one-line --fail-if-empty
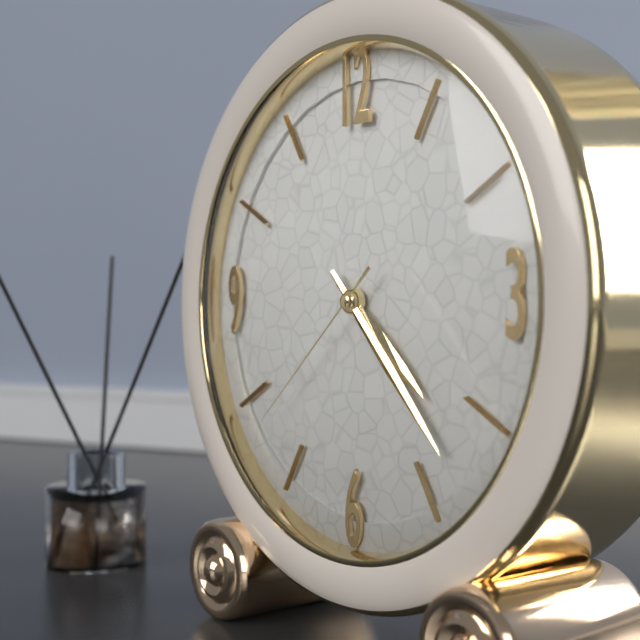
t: 4:23:38
